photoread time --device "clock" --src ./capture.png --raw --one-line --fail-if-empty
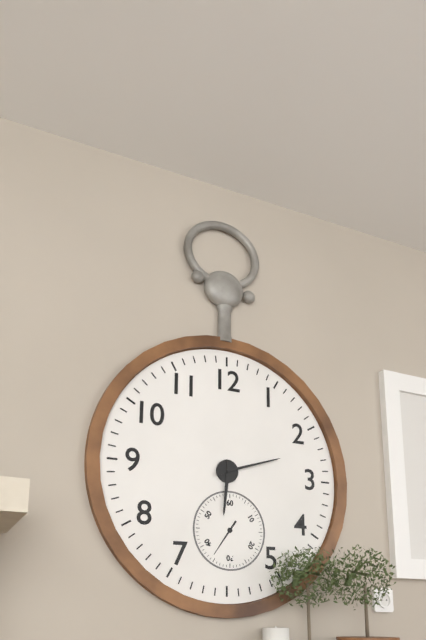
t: 6:12
